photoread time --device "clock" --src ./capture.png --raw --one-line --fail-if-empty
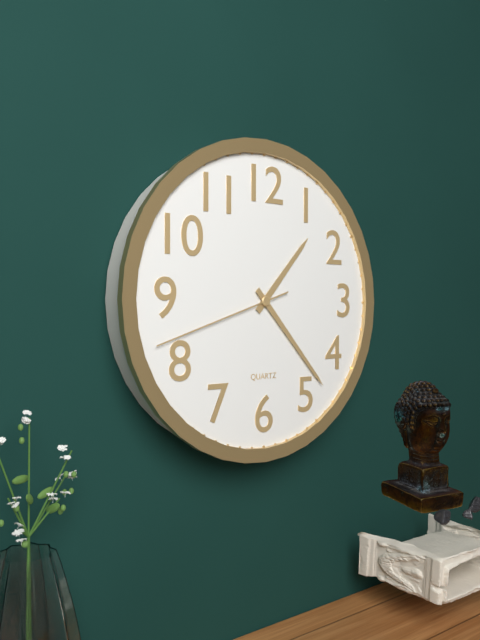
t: 1:23:42
